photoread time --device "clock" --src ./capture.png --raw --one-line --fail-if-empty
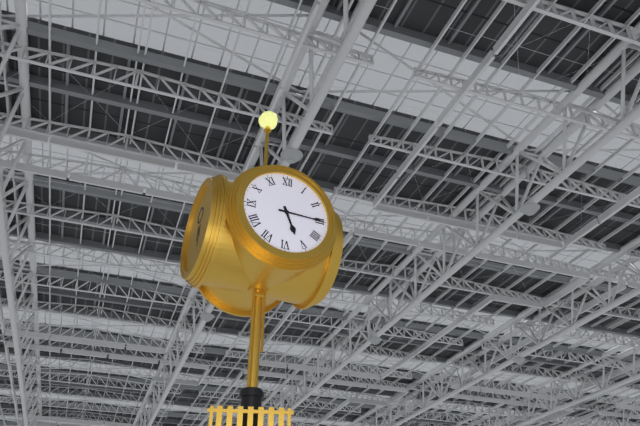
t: 5:15
